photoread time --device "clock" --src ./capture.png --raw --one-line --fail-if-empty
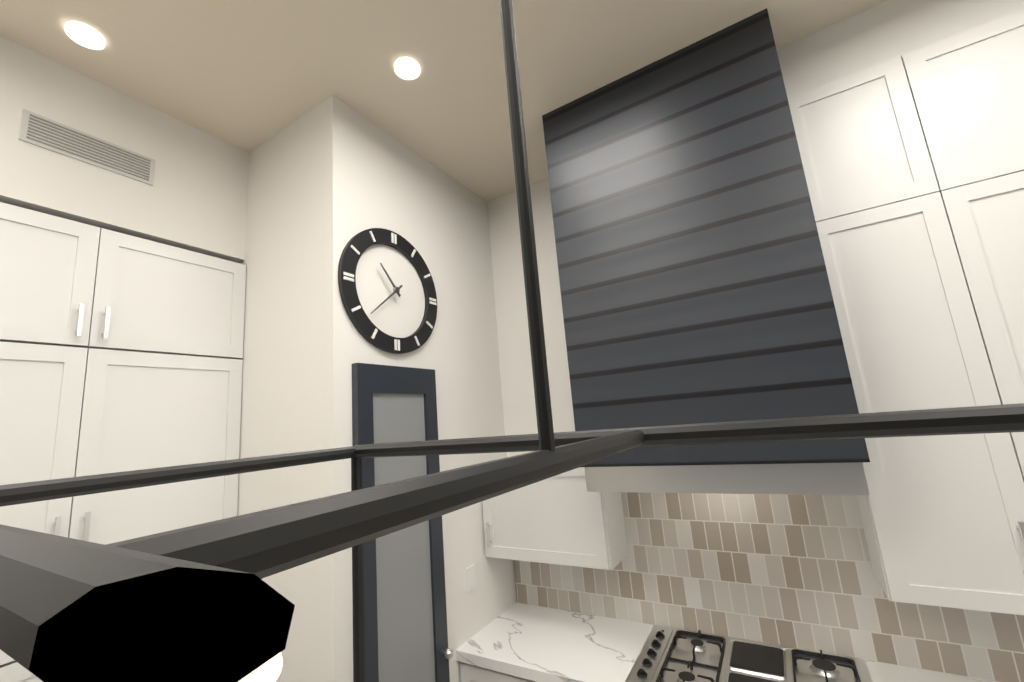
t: 10:38
